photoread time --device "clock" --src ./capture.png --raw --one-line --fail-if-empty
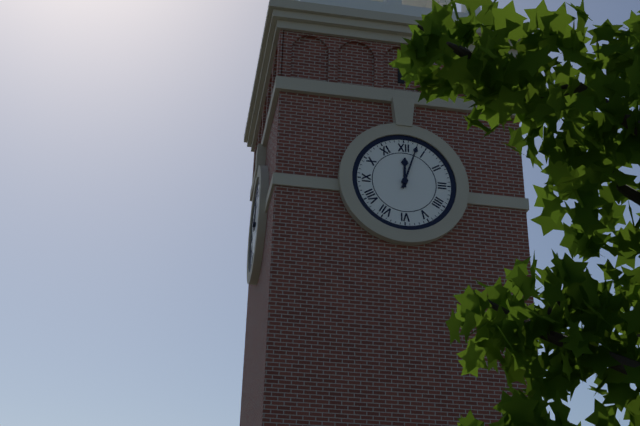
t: 12:03
